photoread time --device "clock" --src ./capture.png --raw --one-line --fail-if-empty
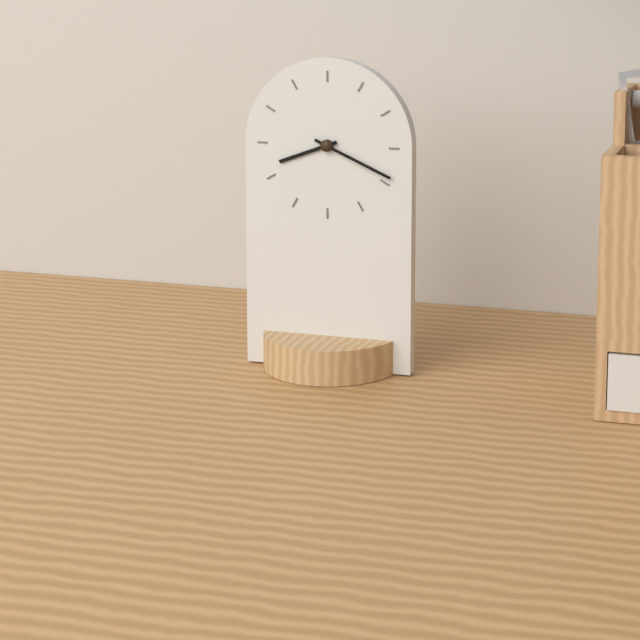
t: 8:19
